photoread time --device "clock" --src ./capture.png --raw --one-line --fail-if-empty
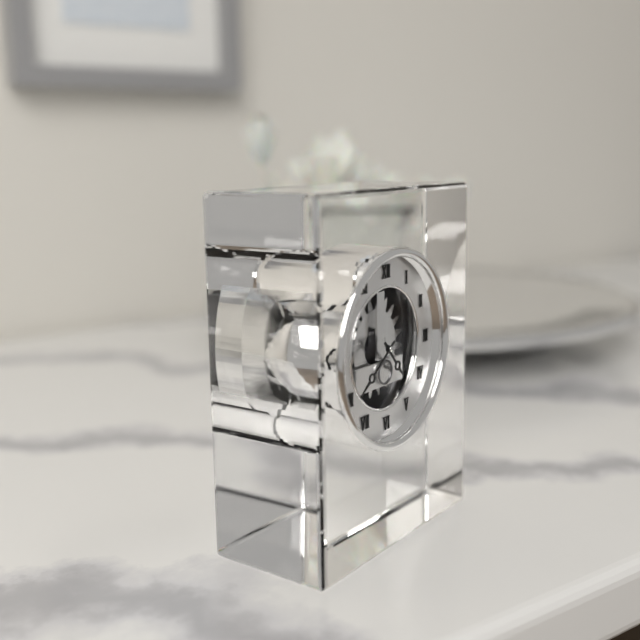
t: 4:39
